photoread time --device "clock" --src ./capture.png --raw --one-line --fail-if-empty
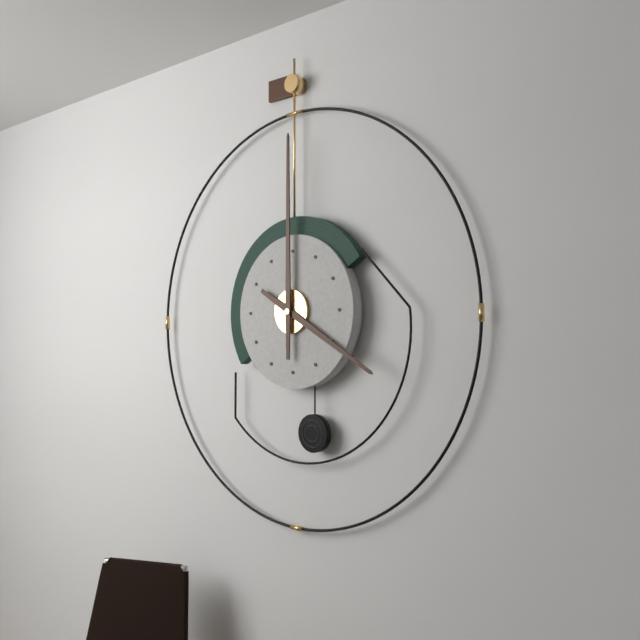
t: 4:00
